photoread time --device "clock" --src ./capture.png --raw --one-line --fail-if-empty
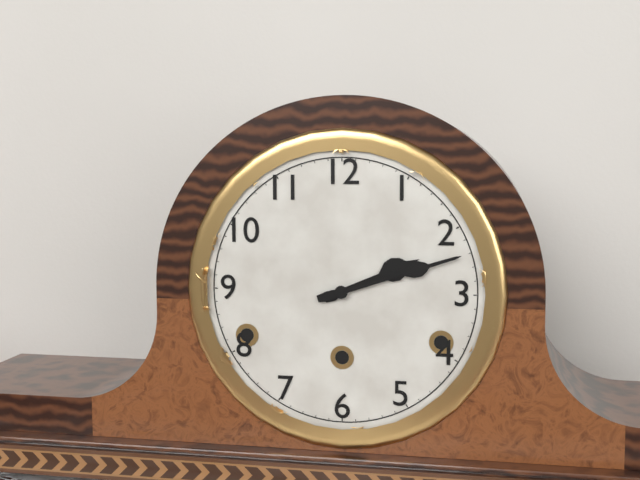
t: 2:12
